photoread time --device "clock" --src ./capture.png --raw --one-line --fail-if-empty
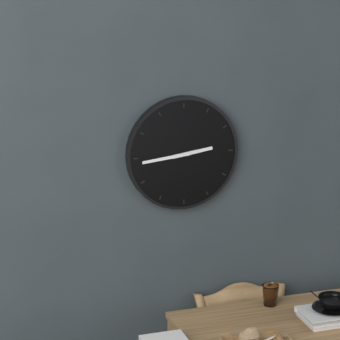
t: 2:44
